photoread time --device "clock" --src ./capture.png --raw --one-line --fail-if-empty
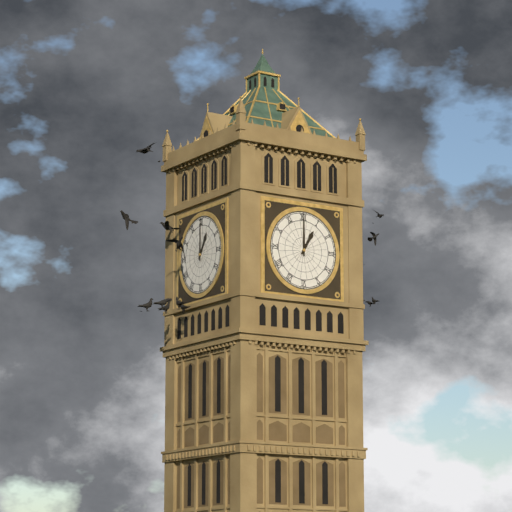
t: 1:00
